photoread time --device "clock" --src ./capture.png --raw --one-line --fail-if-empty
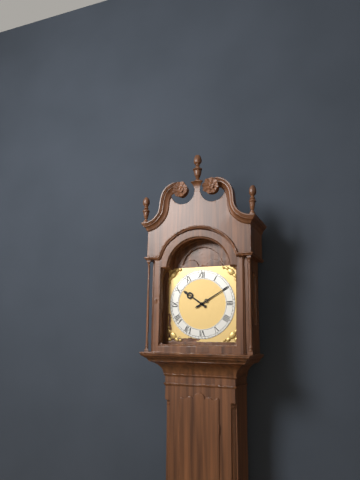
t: 10:10
